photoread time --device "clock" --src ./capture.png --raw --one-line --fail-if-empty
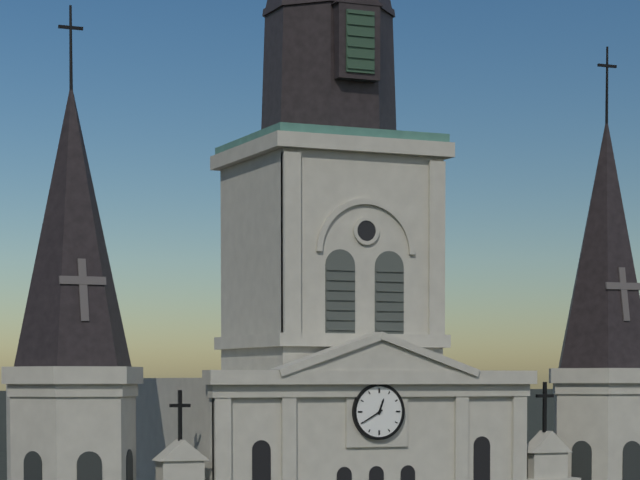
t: 12:40
